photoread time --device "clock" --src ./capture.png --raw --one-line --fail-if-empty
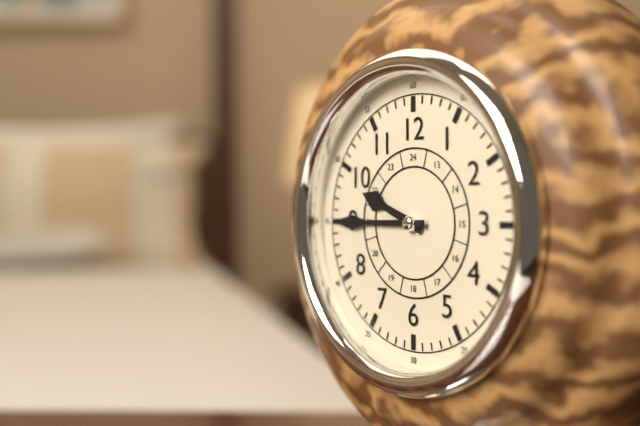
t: 9:45
